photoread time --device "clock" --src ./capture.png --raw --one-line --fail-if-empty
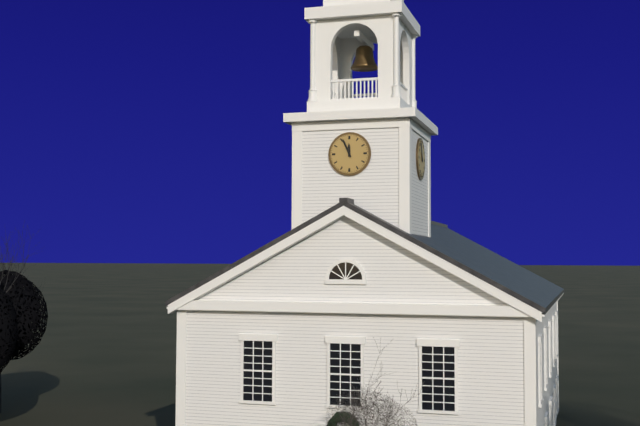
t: 11:56
